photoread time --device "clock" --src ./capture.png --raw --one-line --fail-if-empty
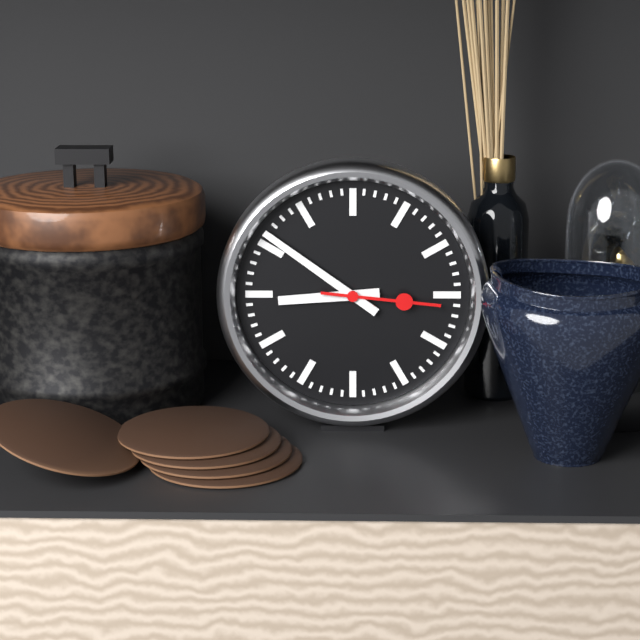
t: 8:51:16
